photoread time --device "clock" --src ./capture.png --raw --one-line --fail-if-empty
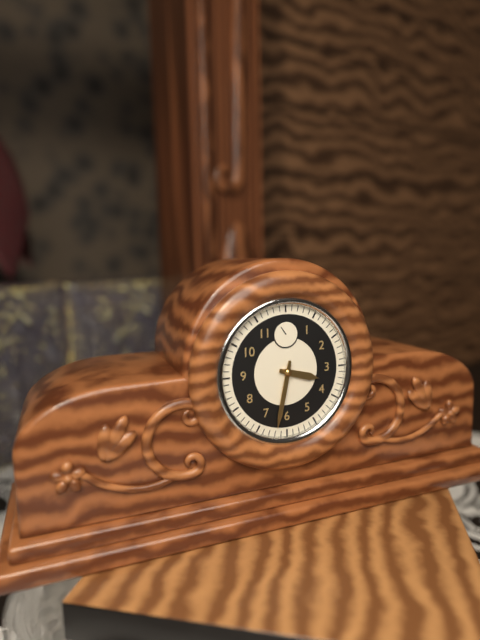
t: 3:32
